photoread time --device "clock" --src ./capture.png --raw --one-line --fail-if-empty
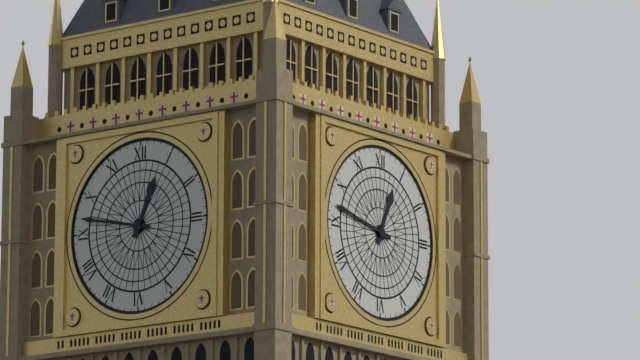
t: 12:47
